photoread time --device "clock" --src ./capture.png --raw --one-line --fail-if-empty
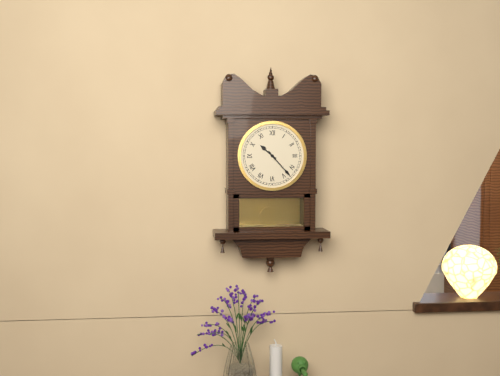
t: 10:23
